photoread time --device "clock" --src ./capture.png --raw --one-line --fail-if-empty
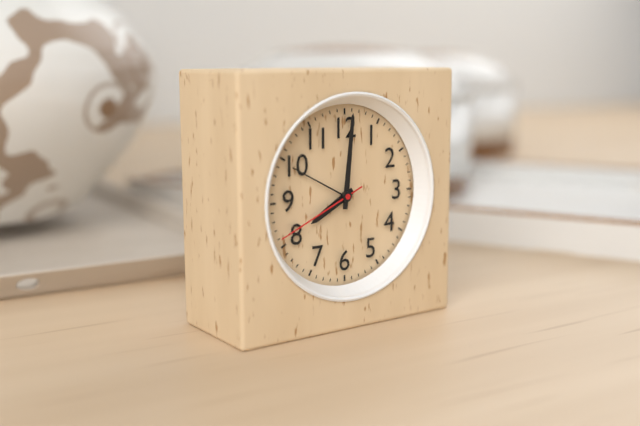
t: 8:01:41
